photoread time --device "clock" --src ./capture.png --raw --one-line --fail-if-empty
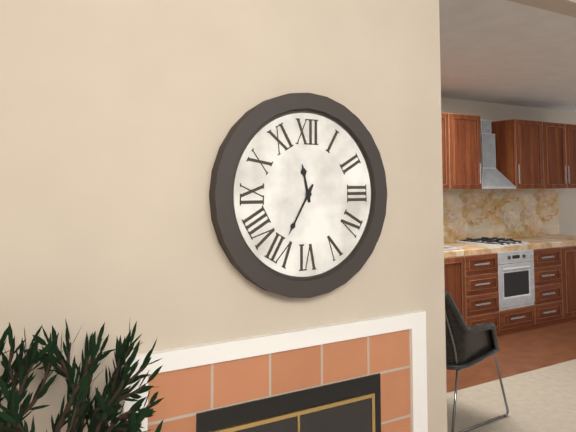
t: 11:35
